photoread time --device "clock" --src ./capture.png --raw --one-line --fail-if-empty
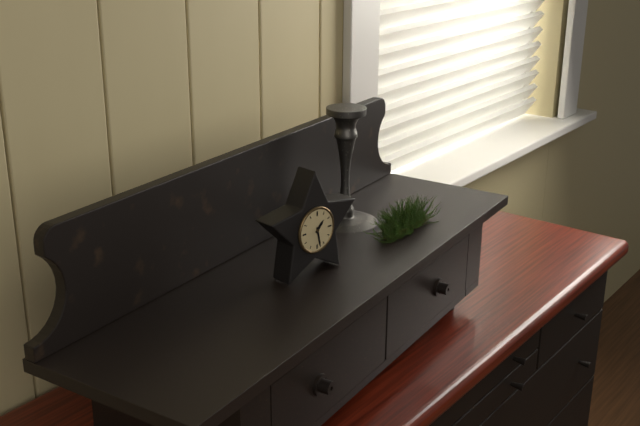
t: 1:28
